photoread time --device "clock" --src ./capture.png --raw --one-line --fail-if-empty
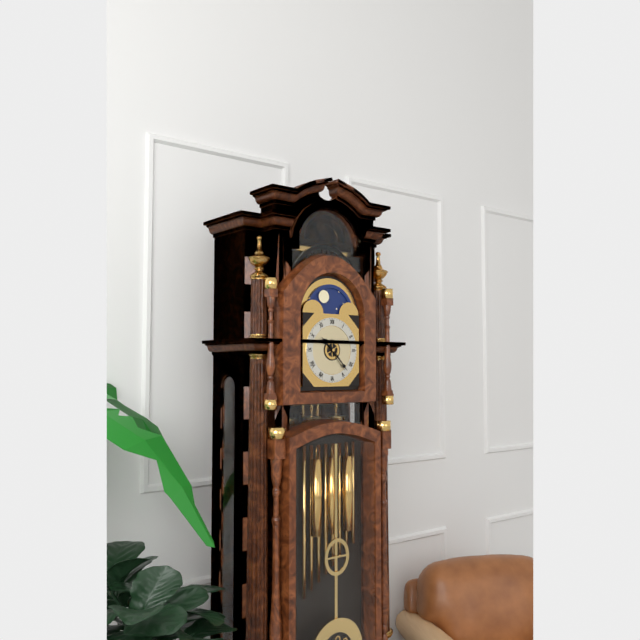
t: 10:23
